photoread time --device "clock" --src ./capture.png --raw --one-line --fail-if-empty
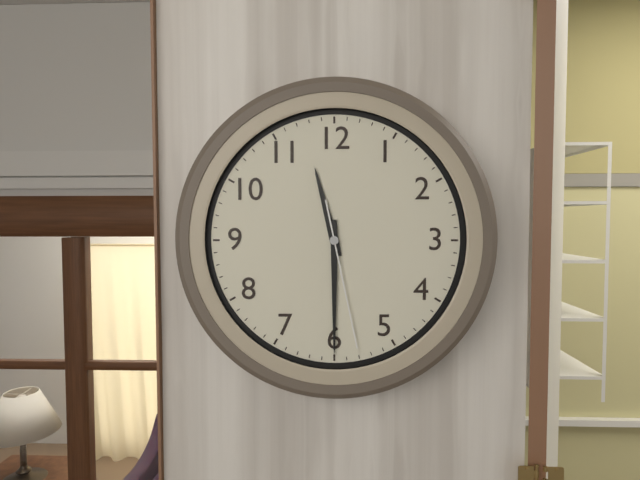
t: 11:30:28
